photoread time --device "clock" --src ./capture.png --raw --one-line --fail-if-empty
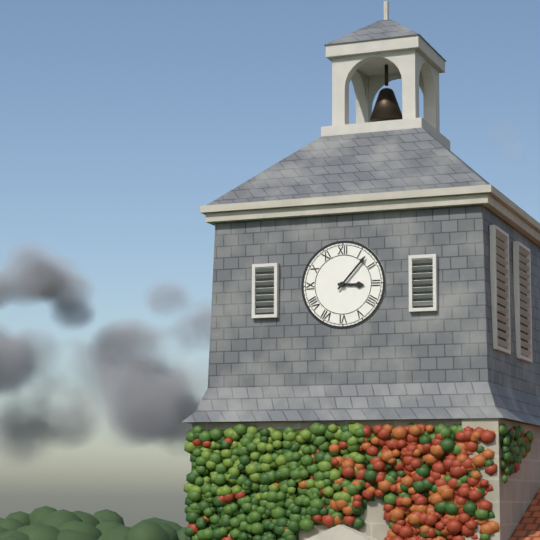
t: 3:07
